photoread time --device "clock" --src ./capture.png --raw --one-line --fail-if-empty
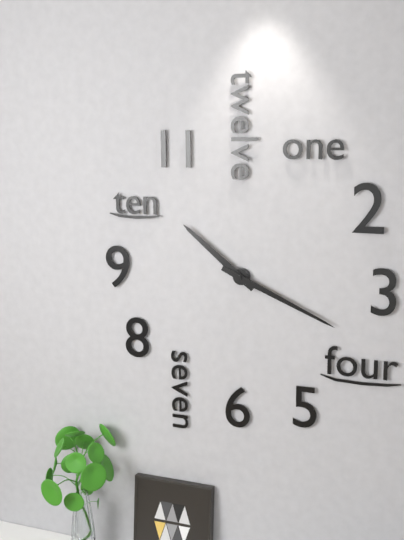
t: 10:19
